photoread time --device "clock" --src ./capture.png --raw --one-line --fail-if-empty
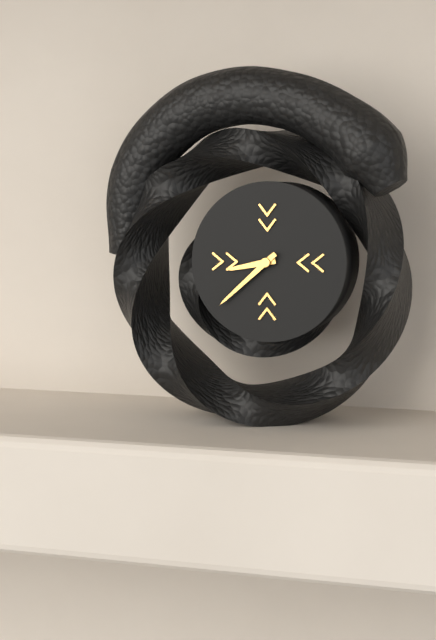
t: 8:38
